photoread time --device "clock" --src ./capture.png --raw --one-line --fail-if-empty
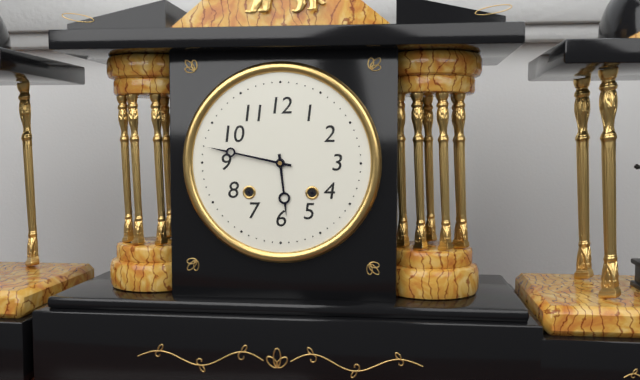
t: 5:47
